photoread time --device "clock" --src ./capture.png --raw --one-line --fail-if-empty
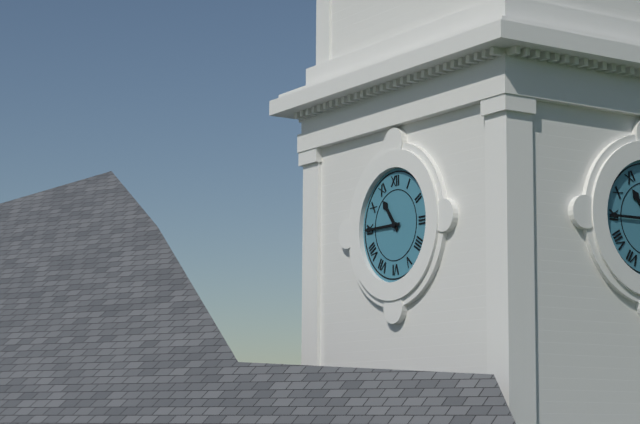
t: 10:45
